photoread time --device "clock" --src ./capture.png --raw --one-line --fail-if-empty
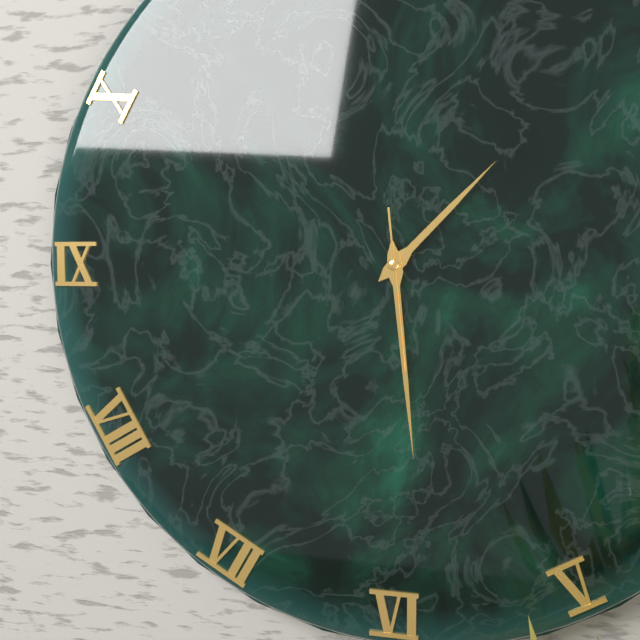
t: 1:29:29
